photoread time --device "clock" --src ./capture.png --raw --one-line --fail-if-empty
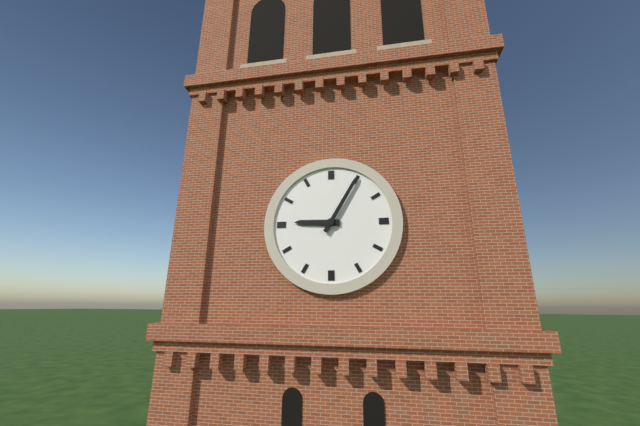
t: 9:05
